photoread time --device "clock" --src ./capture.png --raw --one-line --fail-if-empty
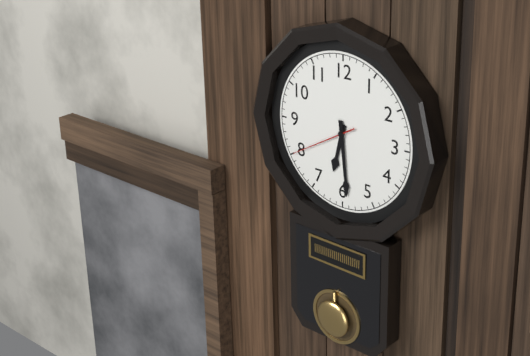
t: 6:29:40
